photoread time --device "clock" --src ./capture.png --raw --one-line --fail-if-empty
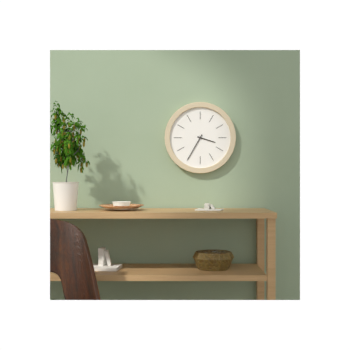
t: 3:35
